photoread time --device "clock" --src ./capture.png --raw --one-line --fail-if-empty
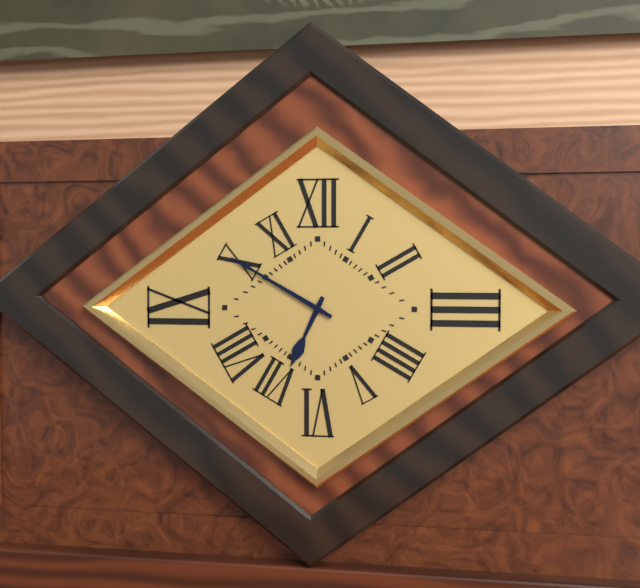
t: 6:50
